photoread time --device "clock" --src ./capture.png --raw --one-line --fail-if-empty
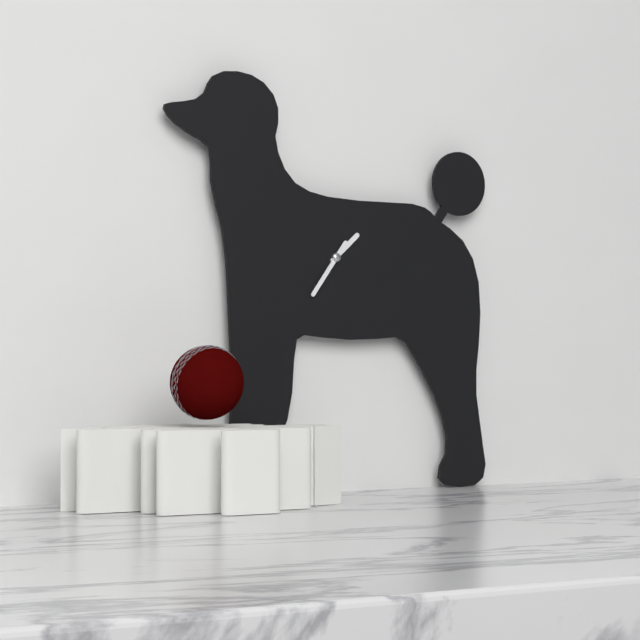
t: 1:36
